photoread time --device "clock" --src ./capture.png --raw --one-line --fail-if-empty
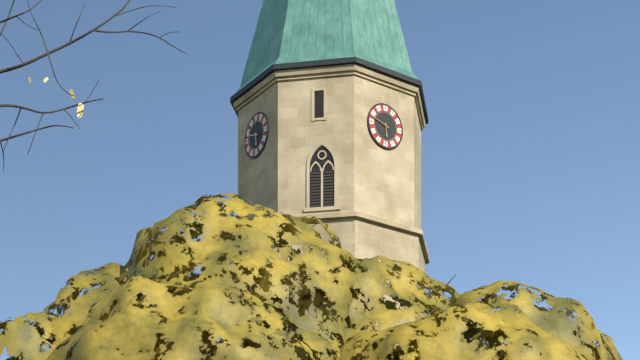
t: 5:48
